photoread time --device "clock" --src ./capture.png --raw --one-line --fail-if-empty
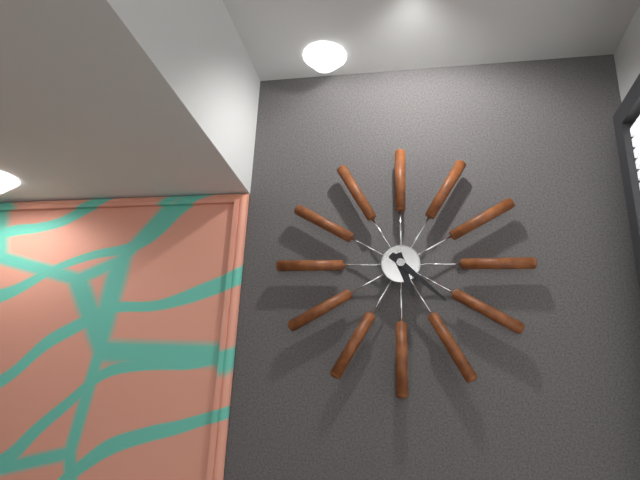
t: 5:22
